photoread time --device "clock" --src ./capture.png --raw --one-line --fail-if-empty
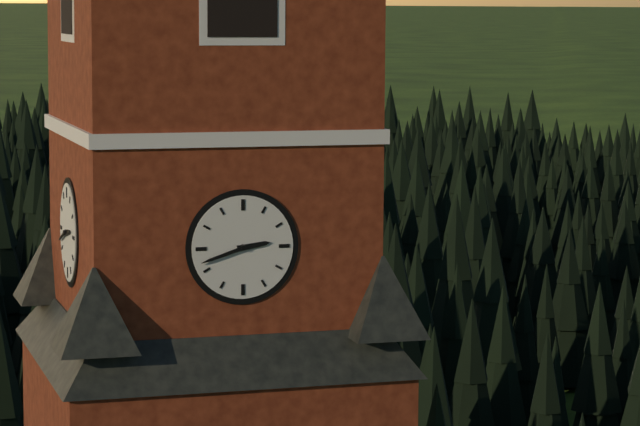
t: 2:42
